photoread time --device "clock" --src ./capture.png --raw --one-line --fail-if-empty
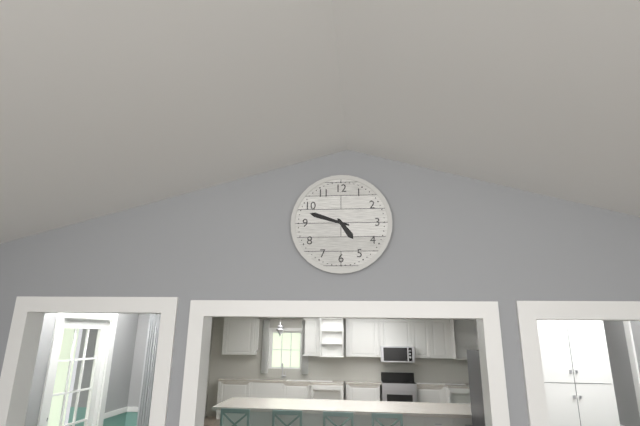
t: 4:48
